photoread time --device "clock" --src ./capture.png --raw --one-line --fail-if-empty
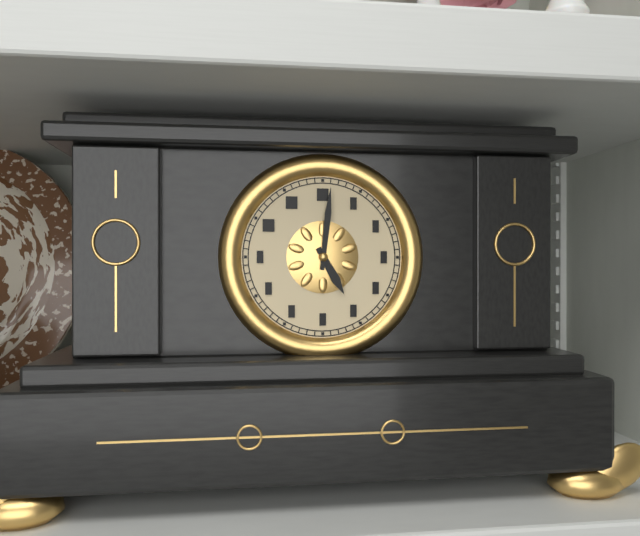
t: 5:01
